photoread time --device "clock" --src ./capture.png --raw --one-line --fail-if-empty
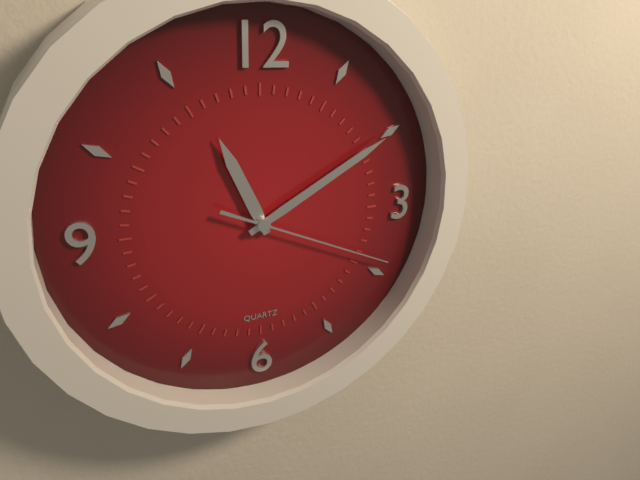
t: 11:10:19
